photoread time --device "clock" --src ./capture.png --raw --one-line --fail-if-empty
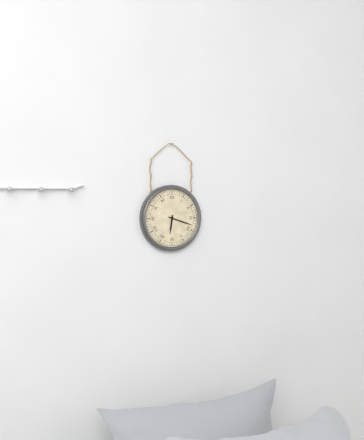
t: 6:18
